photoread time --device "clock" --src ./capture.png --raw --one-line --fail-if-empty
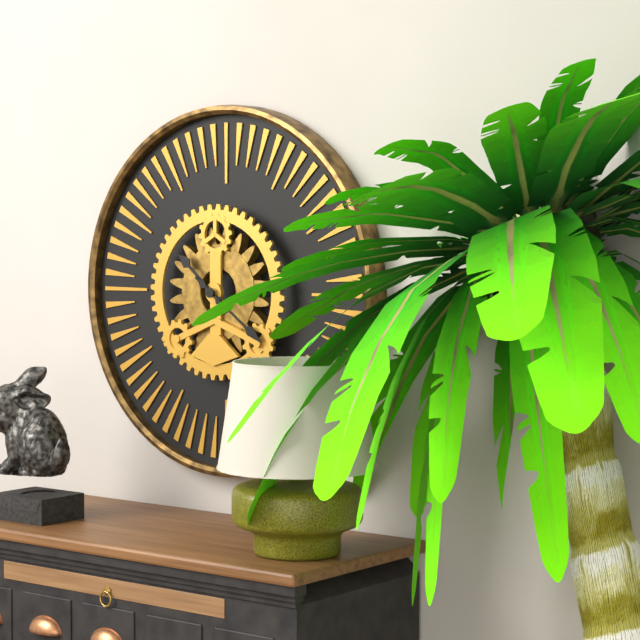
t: 10:21
